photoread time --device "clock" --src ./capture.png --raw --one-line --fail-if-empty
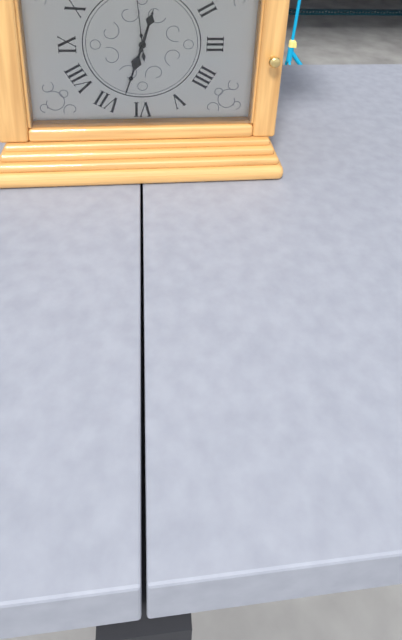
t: 12:33
